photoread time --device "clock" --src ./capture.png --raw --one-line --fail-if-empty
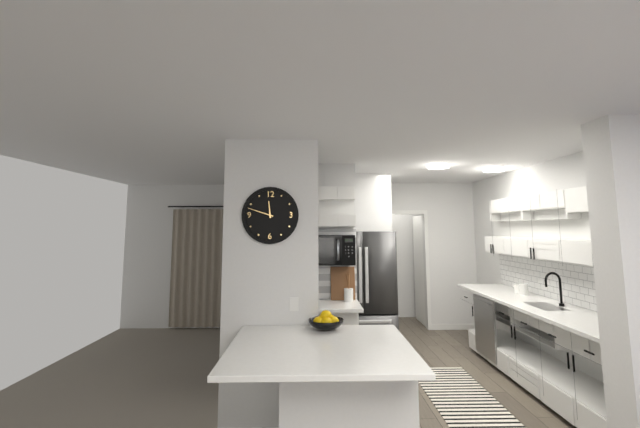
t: 11:48
